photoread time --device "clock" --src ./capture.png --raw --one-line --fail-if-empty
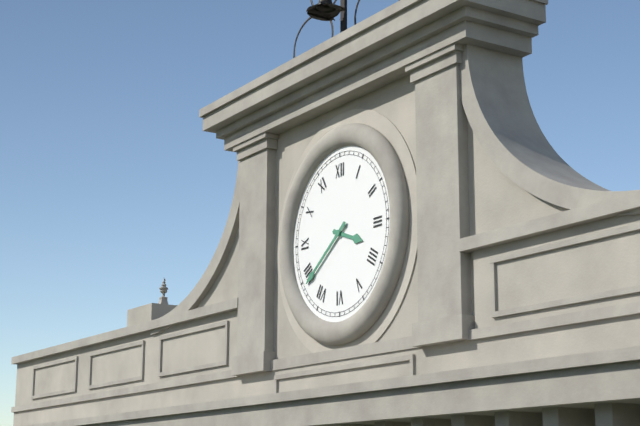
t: 3:39
